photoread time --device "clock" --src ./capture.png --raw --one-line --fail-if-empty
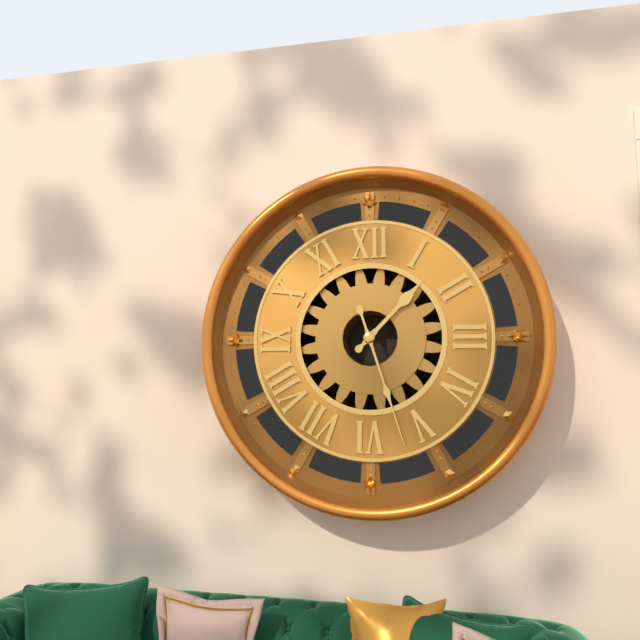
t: 1:27
